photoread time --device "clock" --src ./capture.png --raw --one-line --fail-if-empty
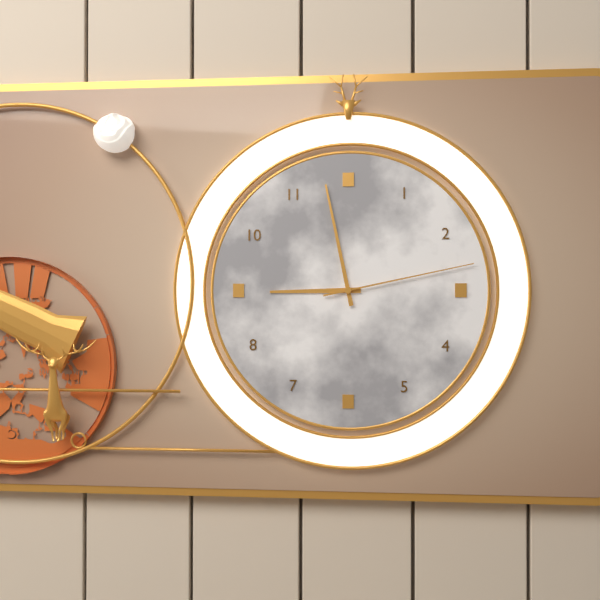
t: 8:58:13
